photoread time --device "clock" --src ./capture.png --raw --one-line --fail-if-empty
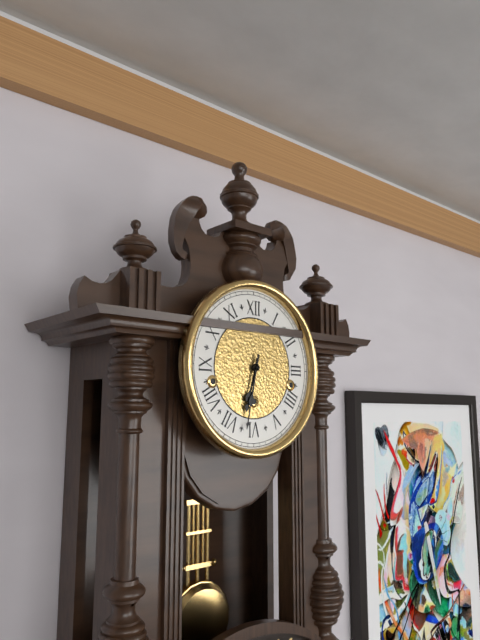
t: 6:32
